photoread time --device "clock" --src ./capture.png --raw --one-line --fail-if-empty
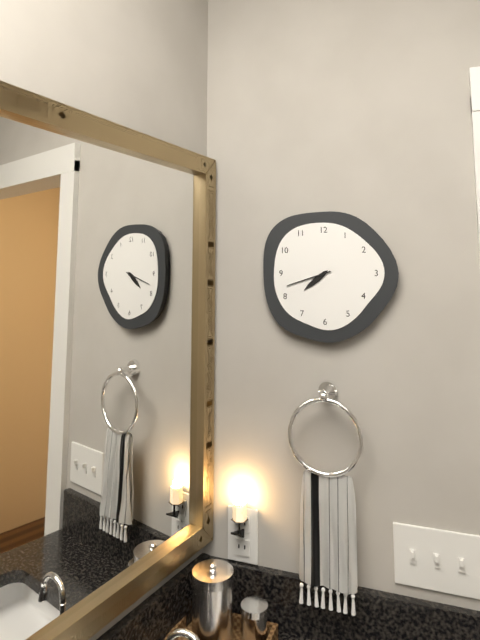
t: 7:42
